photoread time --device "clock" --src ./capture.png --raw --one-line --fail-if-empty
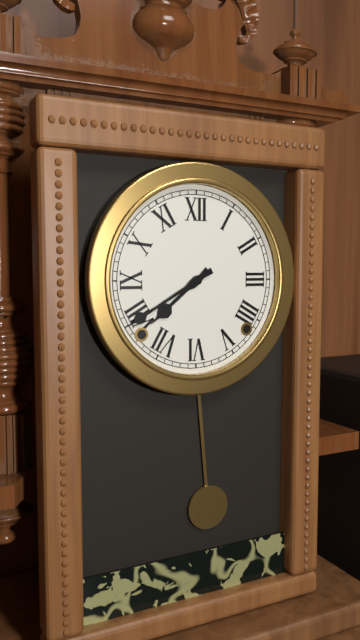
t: 7:40
